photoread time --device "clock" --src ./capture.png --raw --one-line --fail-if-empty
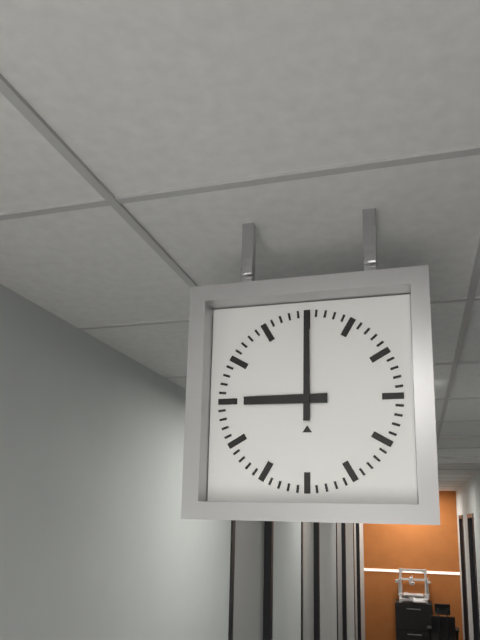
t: 9:00
